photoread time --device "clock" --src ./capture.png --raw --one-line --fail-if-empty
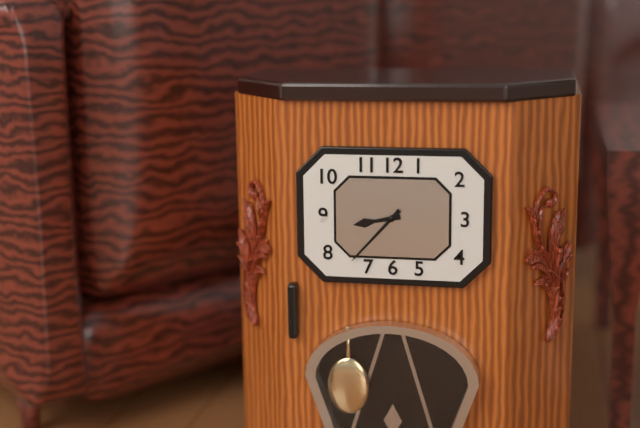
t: 8:37
